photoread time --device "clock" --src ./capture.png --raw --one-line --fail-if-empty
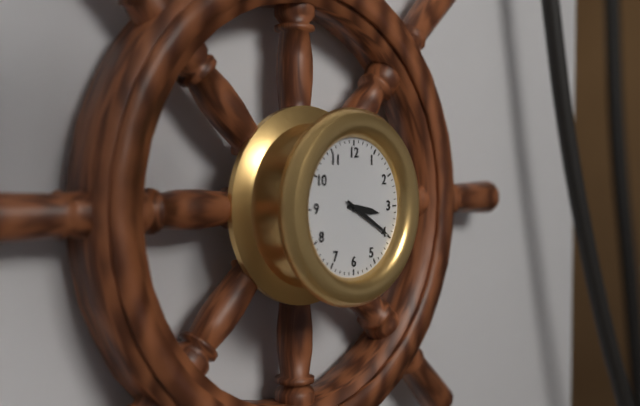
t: 3:20
